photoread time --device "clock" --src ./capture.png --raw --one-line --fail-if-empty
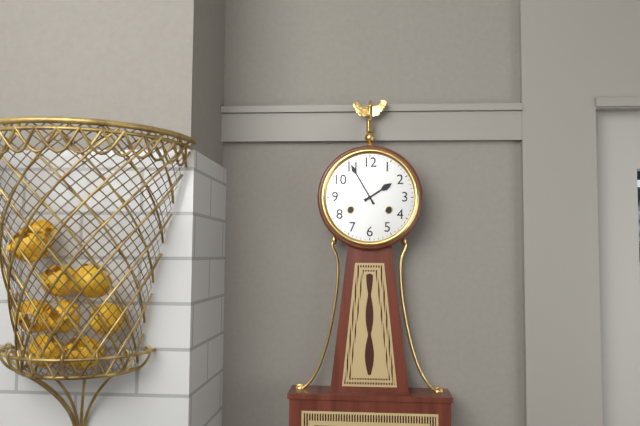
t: 1:55
